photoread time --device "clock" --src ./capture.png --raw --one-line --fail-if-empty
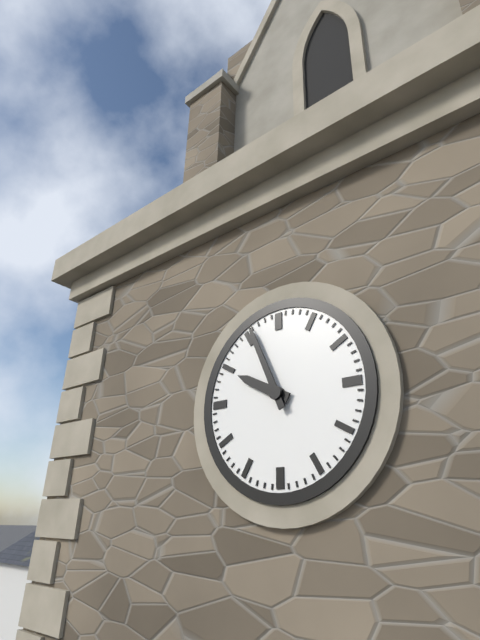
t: 9:56
